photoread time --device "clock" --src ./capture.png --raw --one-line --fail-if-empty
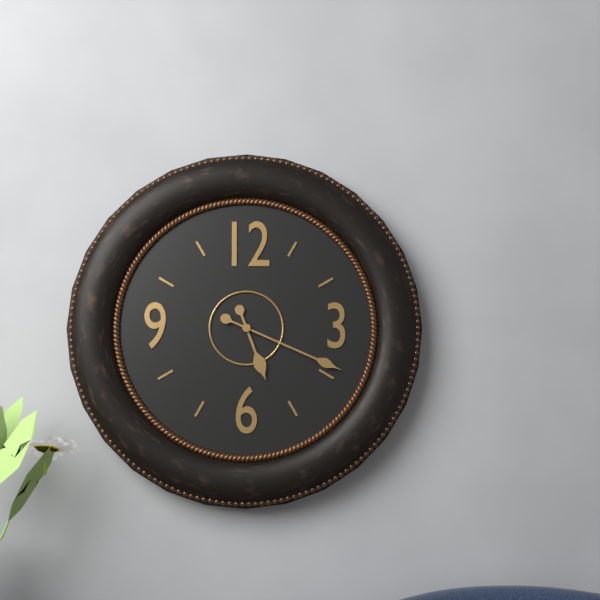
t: 5:19
